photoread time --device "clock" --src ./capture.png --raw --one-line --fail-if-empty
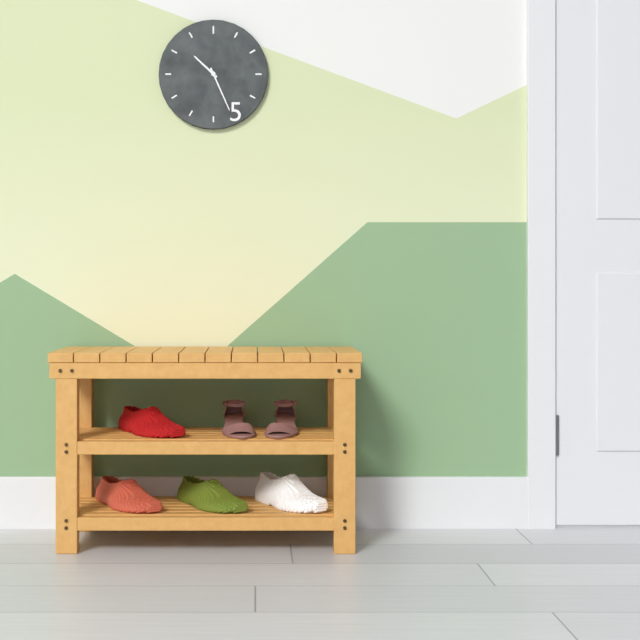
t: 10:26
